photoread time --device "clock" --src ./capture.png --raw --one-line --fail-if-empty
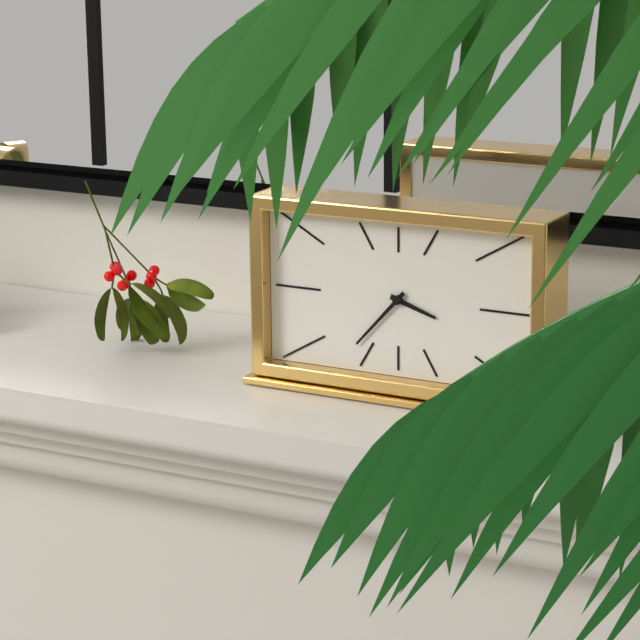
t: 3:37
